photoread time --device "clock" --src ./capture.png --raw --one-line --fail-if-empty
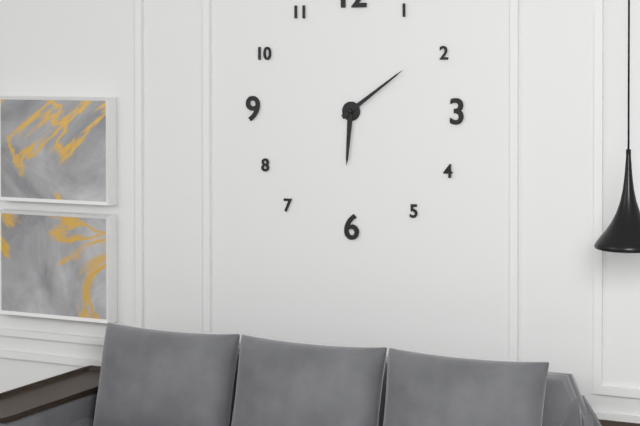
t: 6:09
